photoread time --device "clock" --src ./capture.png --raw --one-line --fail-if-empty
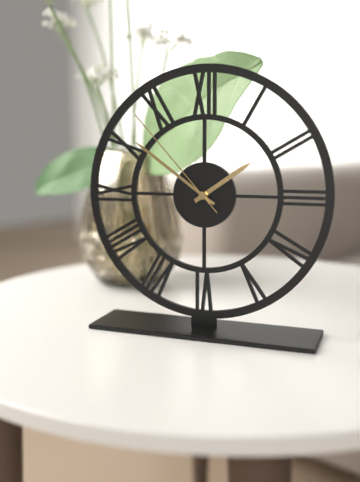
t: 1:51:53
